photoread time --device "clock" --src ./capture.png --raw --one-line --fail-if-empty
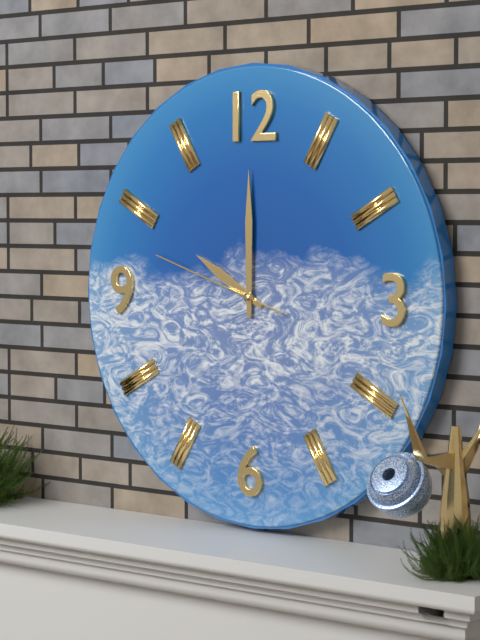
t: 10:00:48
